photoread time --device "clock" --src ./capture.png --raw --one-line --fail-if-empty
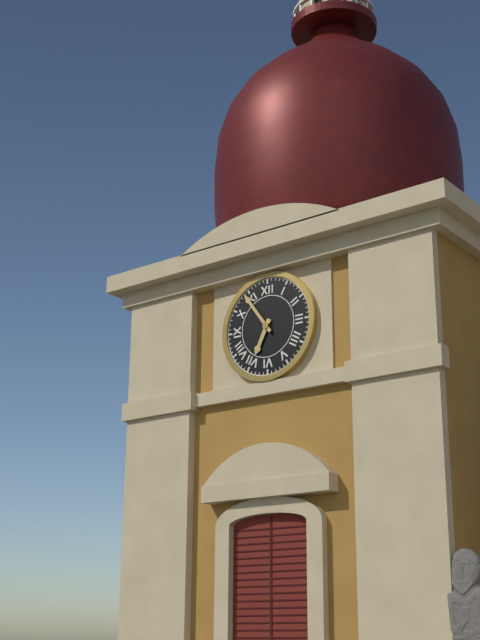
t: 6:54
